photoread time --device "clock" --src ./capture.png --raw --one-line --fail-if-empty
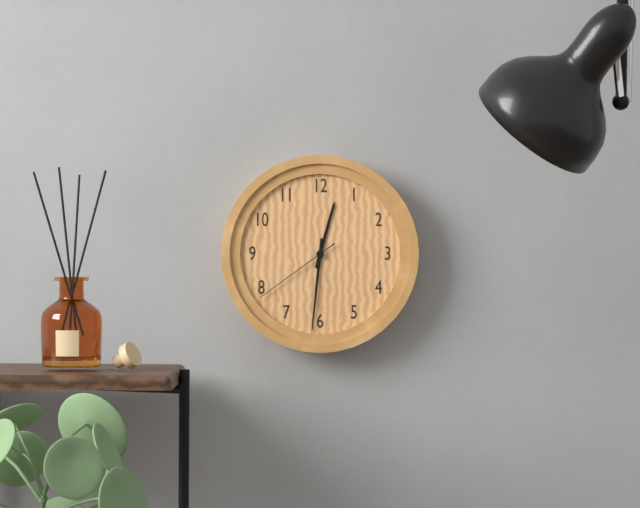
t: 12:31:39
